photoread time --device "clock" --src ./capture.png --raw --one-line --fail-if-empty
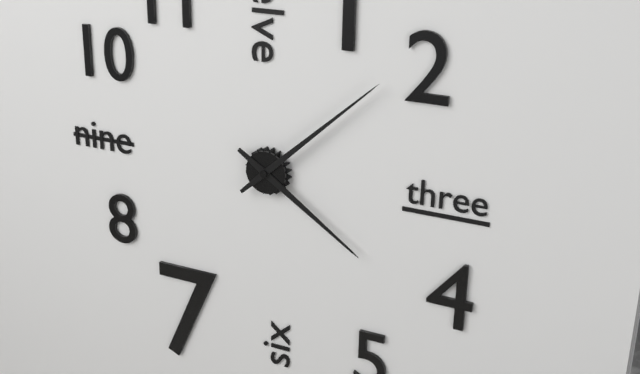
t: 4:08
